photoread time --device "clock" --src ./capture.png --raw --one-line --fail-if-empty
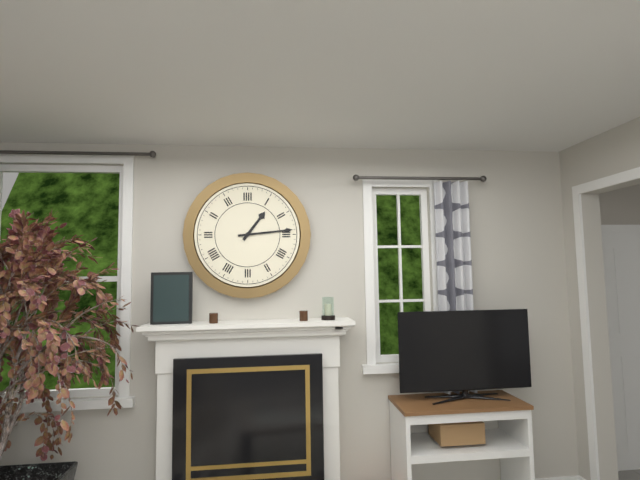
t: 1:14
